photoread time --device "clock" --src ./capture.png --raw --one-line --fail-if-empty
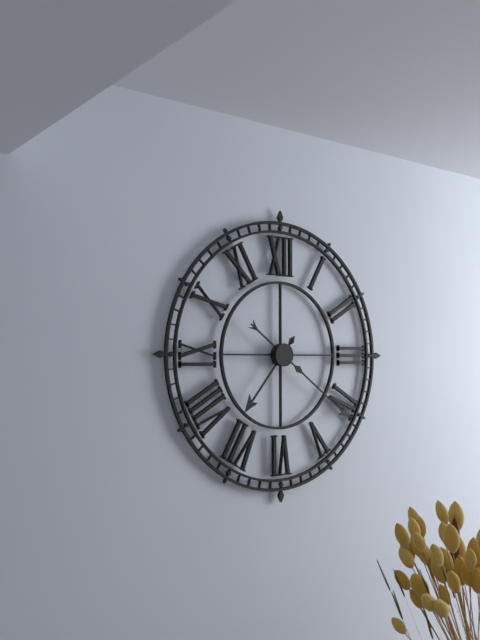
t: 7:21
